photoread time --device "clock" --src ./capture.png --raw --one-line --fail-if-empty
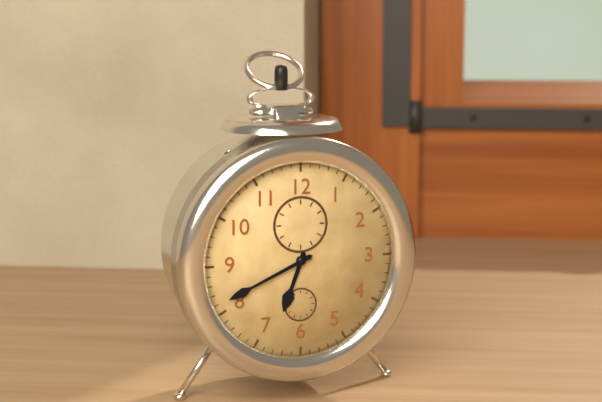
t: 6:41
